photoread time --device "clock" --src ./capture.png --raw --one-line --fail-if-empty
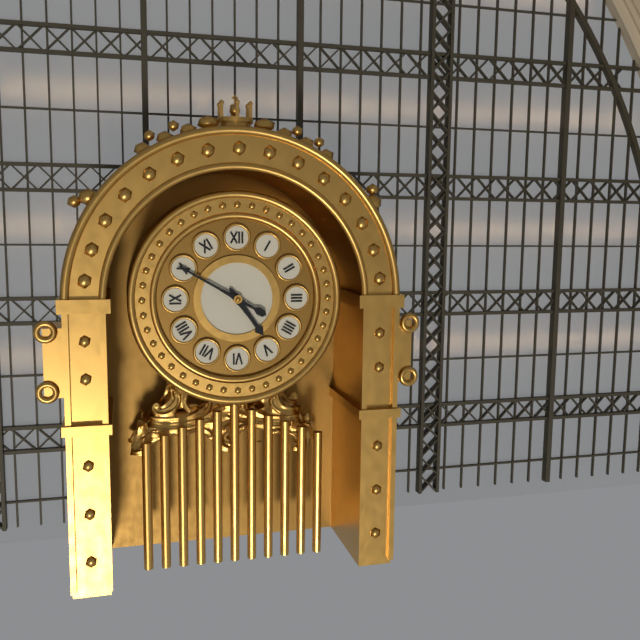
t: 4:50
